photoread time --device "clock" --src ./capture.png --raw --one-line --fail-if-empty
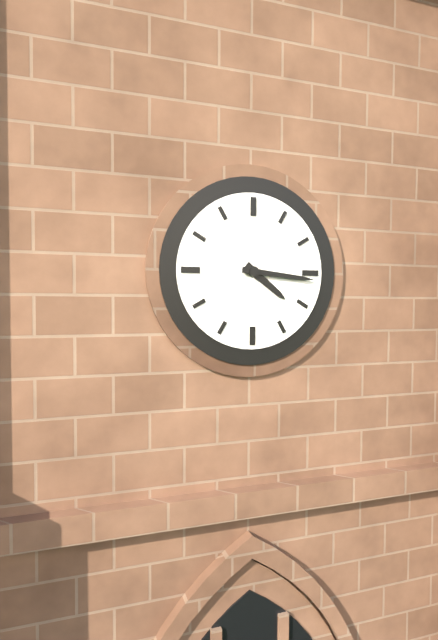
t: 4:16
